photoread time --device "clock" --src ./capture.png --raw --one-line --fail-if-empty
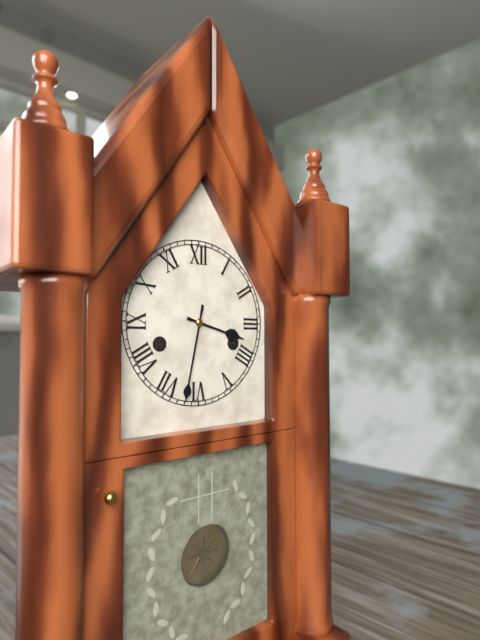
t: 3:32
